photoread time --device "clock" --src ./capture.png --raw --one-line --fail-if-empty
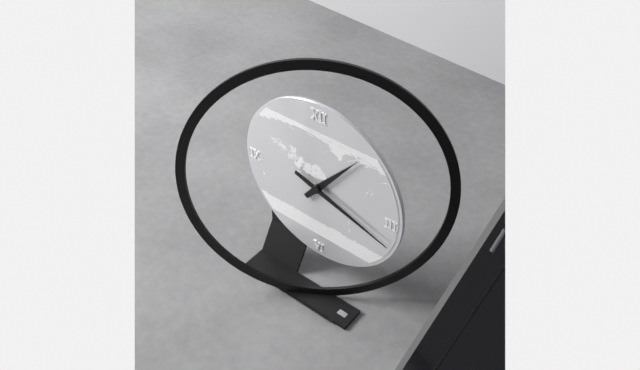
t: 1:18
